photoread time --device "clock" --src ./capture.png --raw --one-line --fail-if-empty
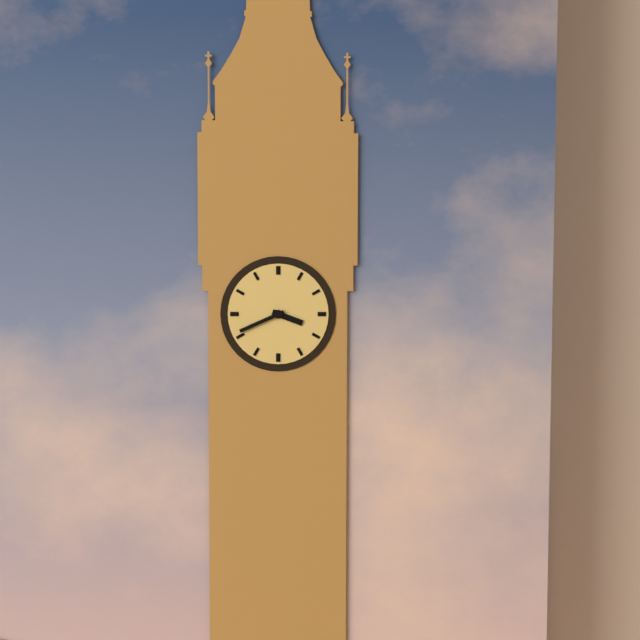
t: 3:41
